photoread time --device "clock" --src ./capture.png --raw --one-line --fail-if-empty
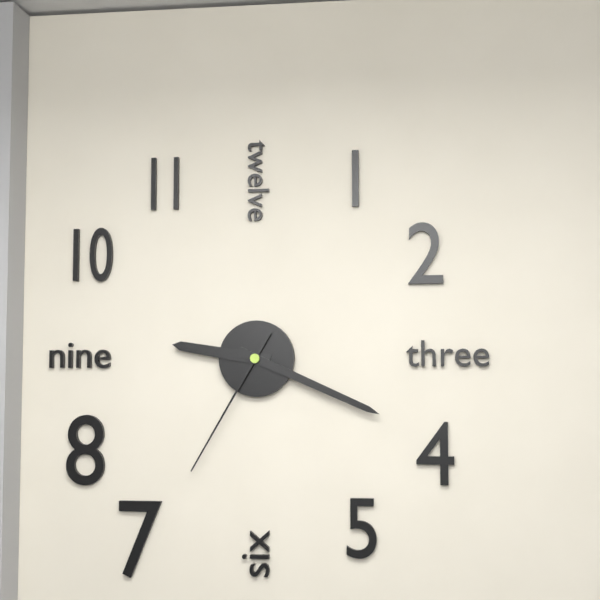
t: 9:19:35
